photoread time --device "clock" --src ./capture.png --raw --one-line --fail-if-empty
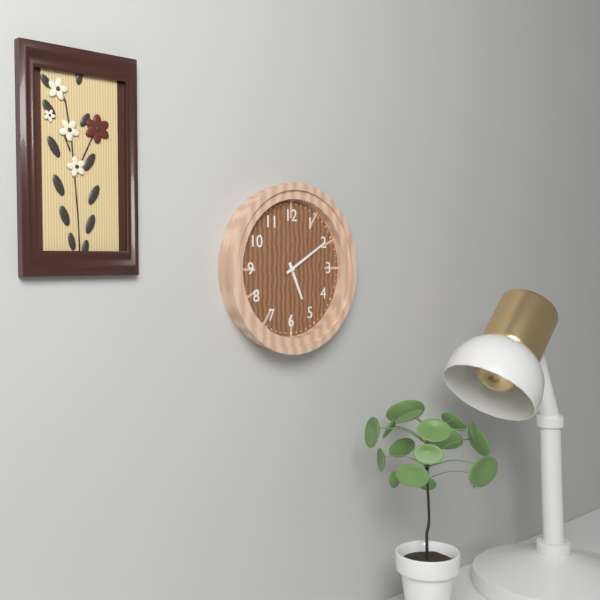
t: 5:10
